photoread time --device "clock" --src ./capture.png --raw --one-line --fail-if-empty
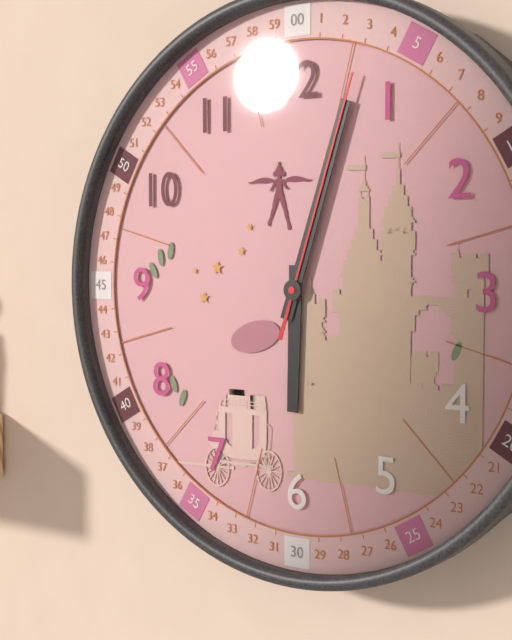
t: 6:03:03
